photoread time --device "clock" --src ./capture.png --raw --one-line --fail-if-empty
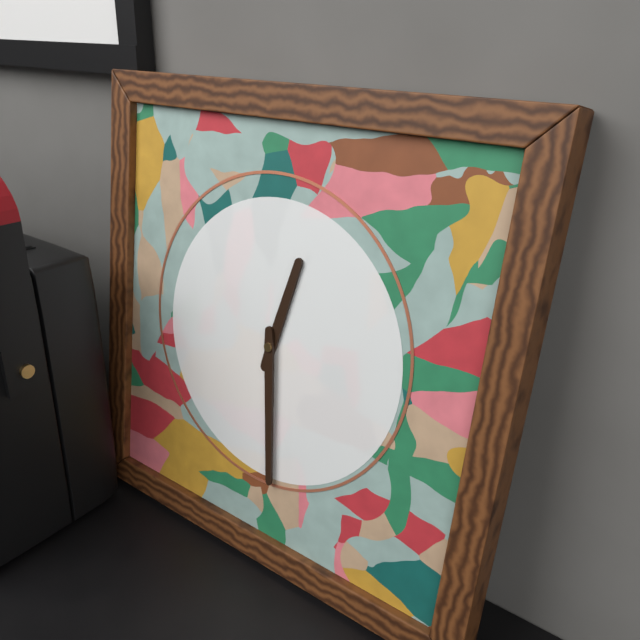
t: 12:29
